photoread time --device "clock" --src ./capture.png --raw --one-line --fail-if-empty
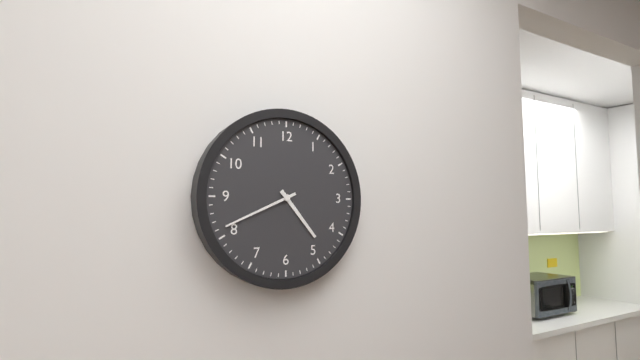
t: 4:41
